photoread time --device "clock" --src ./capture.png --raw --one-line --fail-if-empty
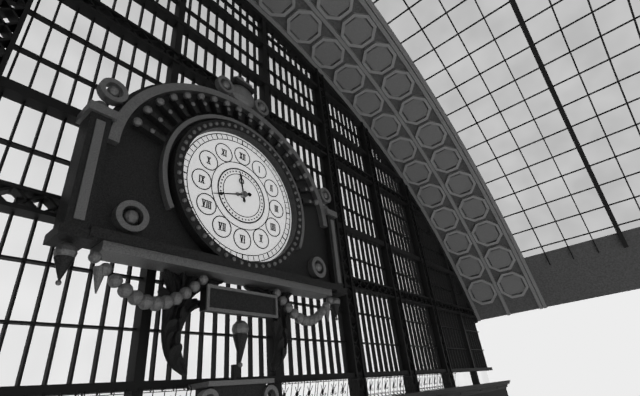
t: 11:42
